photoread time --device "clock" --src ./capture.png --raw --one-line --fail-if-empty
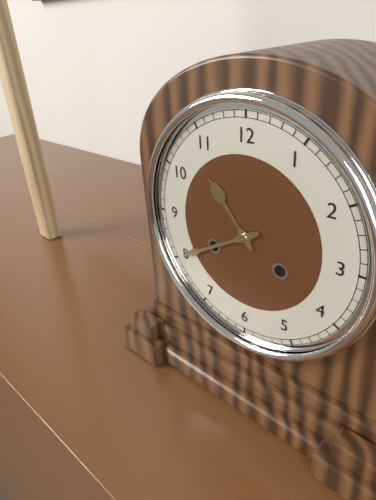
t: 10:40
